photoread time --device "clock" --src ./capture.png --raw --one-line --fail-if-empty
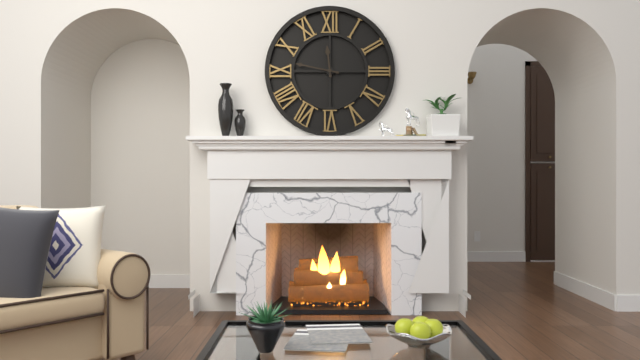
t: 11:47
